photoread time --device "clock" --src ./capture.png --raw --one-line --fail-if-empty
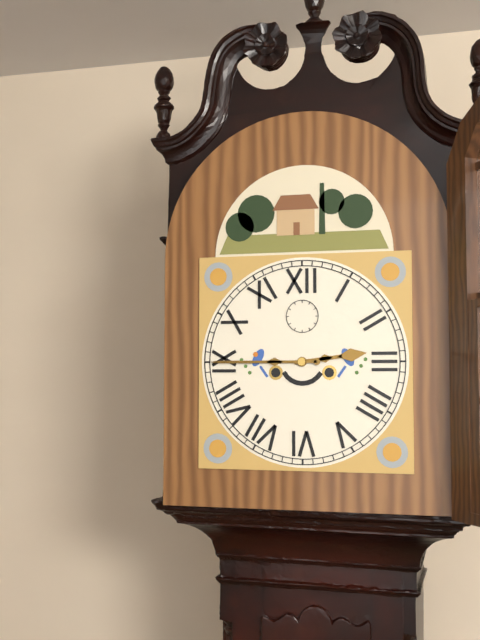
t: 2:45
